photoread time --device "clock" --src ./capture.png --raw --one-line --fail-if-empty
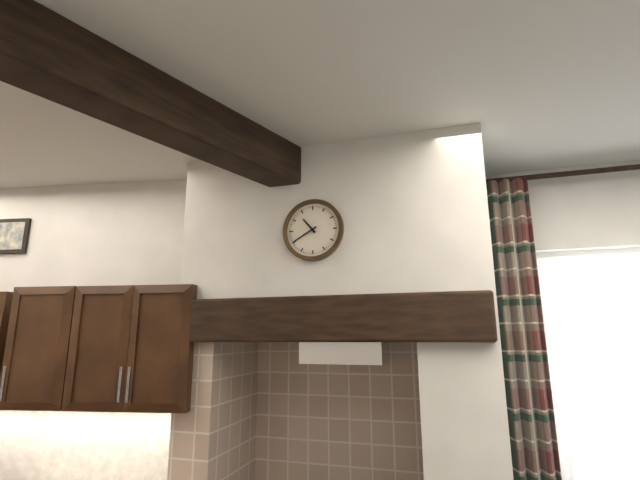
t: 10:40
